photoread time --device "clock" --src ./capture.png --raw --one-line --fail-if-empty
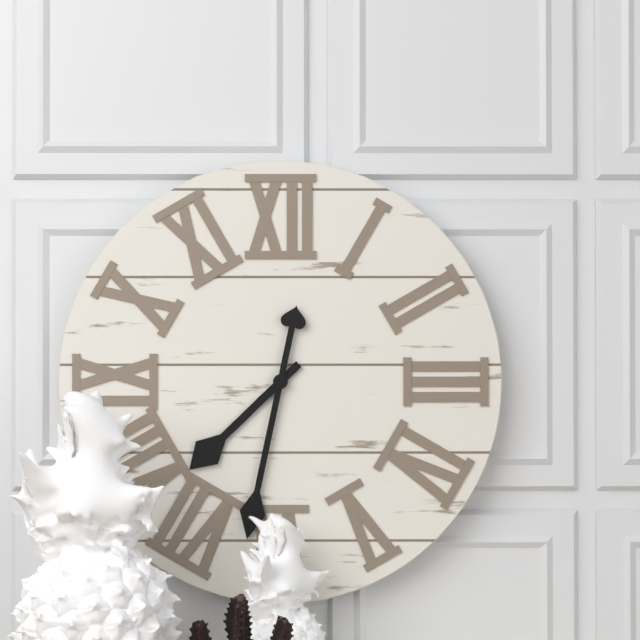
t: 7:32
